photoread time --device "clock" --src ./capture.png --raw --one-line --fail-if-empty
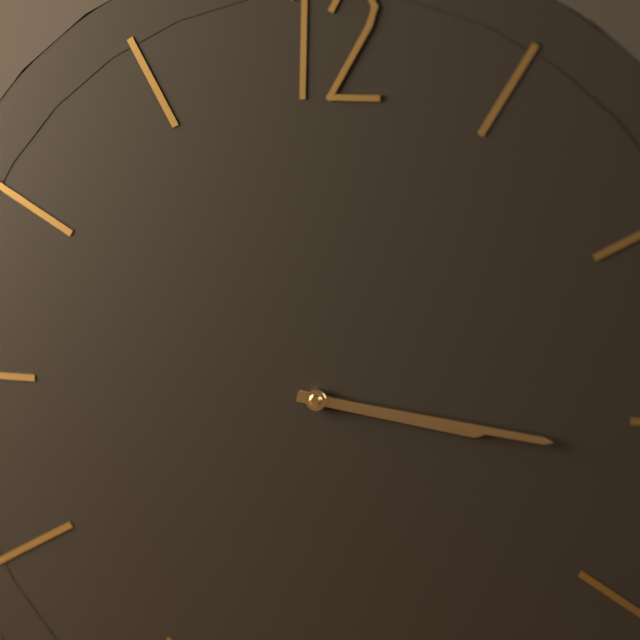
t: 3:16
